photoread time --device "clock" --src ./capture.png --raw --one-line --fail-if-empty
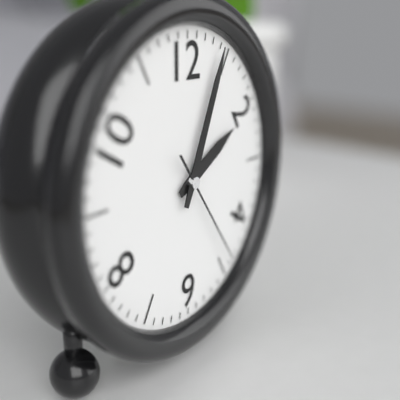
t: 2:04:24
